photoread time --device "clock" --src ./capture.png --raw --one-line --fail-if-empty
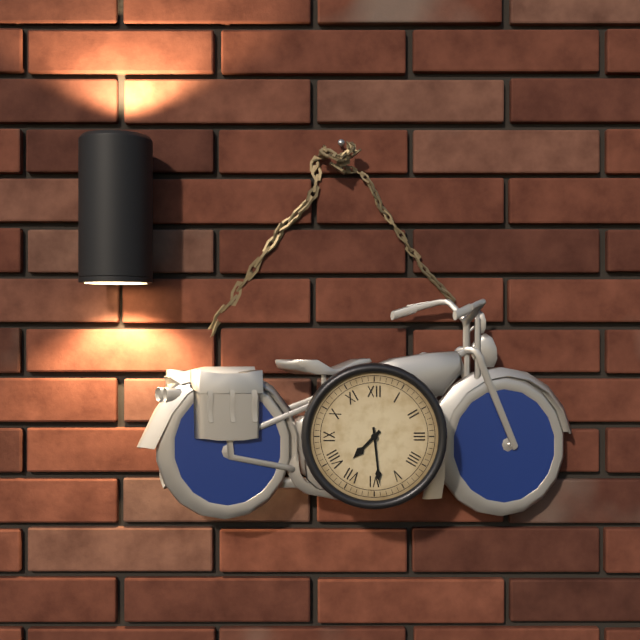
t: 7:29
